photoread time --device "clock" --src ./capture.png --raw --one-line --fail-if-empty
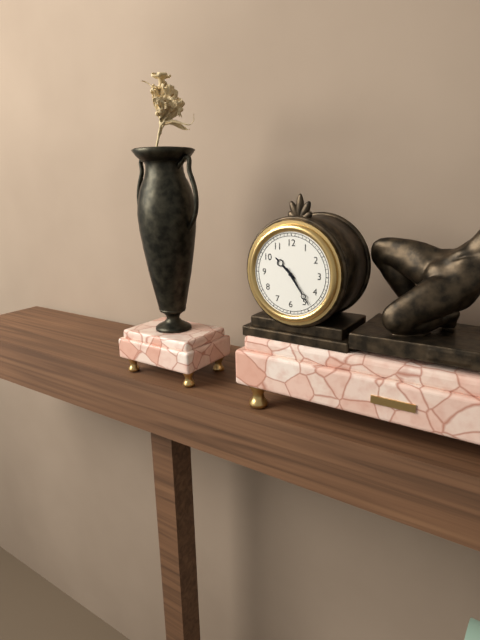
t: 10:24
